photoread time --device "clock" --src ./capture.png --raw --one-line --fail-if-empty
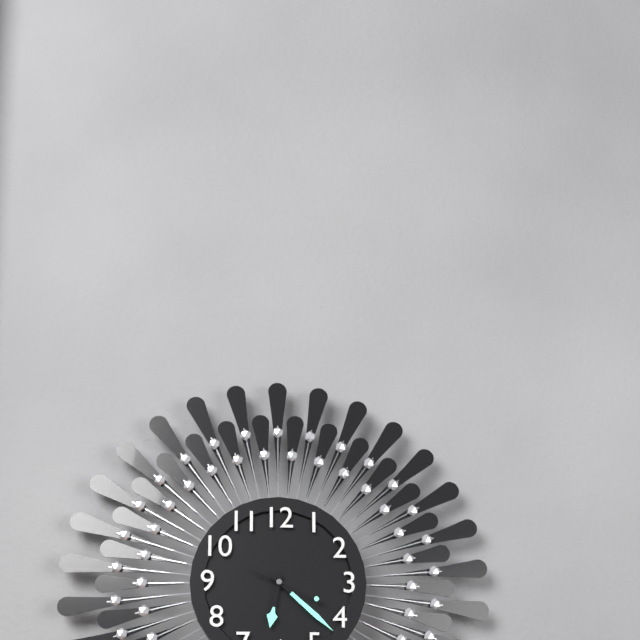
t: 6:22:19
